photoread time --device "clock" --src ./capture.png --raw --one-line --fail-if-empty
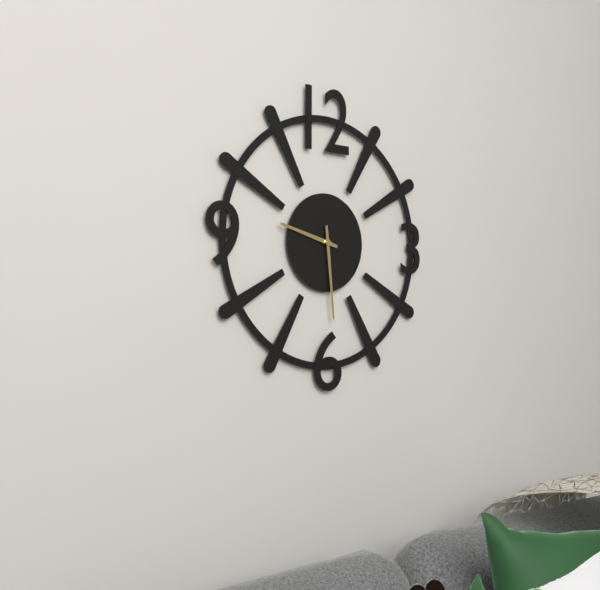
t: 9:29
